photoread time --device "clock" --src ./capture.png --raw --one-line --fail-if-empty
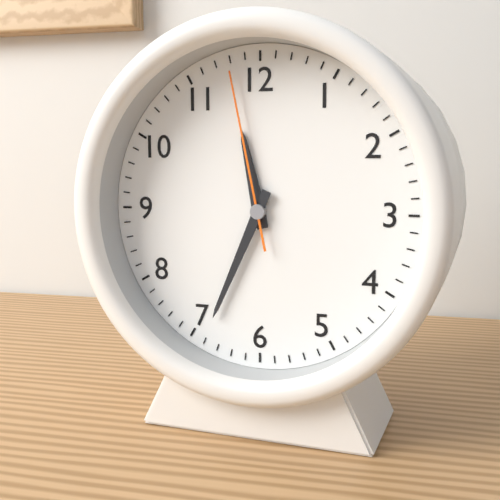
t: 11:34:58
